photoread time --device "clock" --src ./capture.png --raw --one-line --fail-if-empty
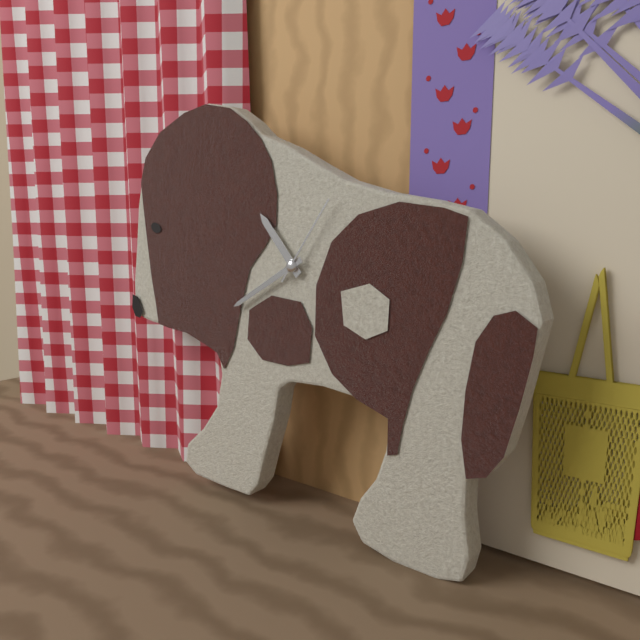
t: 10:40:06
